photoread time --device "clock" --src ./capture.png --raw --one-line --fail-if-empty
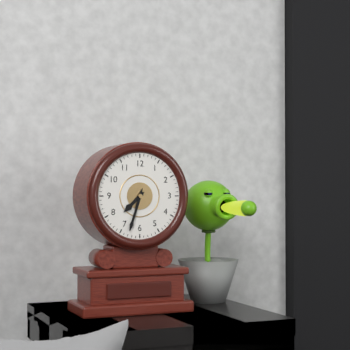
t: 7:33
